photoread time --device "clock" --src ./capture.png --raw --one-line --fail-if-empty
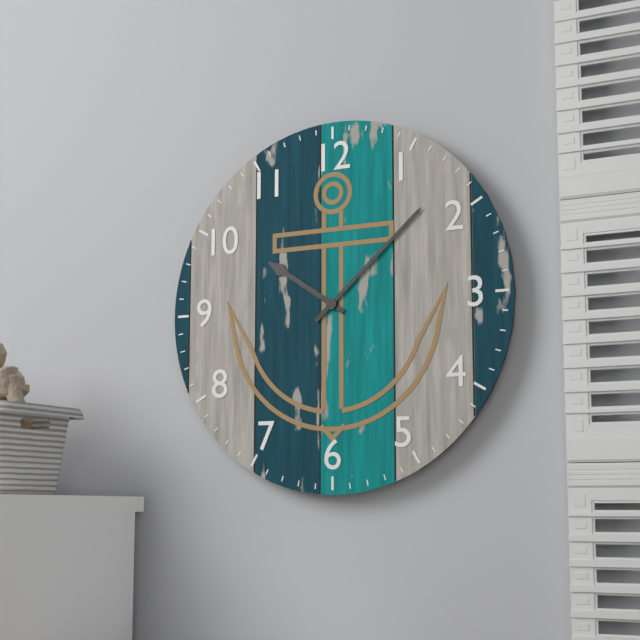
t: 10:08
